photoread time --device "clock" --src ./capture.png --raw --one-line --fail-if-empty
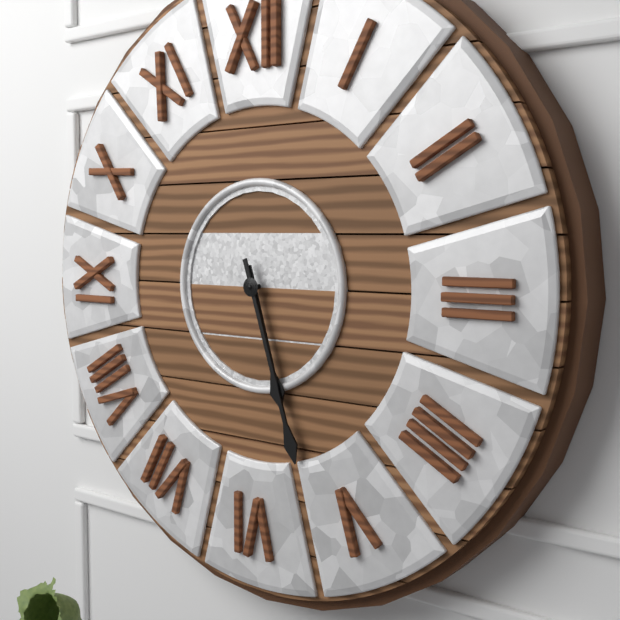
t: 5:27
